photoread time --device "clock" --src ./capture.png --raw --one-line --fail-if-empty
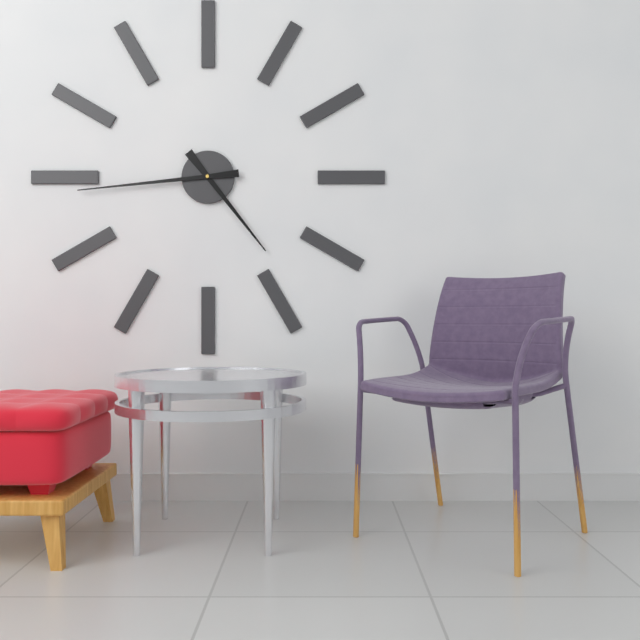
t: 4:44
